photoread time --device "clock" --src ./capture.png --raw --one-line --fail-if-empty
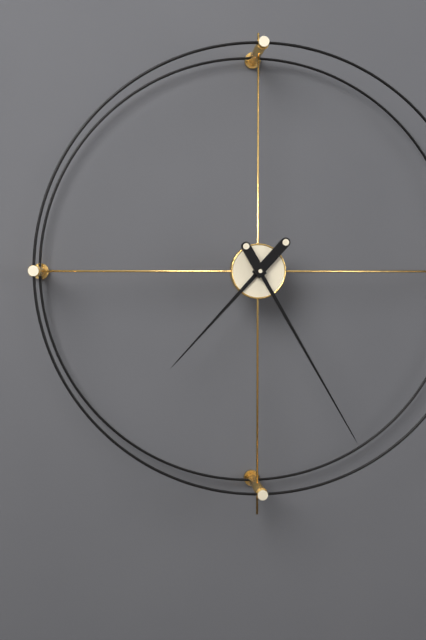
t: 7:25
